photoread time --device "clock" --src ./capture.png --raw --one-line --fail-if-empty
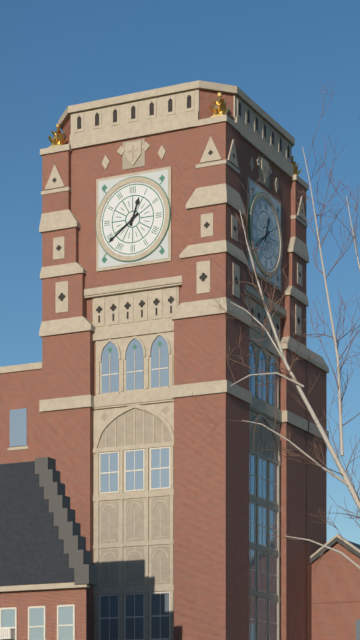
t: 12:39
